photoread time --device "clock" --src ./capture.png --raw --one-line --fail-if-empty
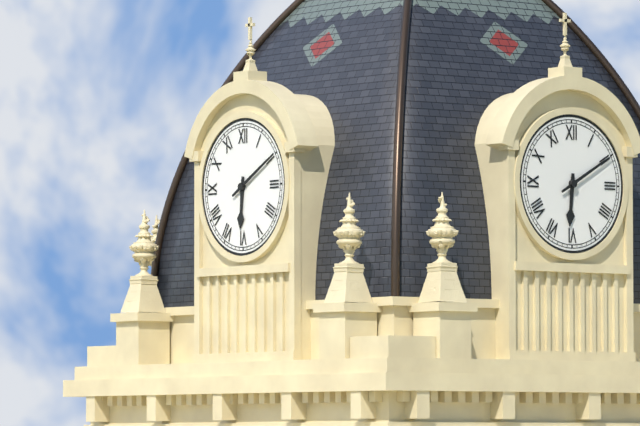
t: 6:10
